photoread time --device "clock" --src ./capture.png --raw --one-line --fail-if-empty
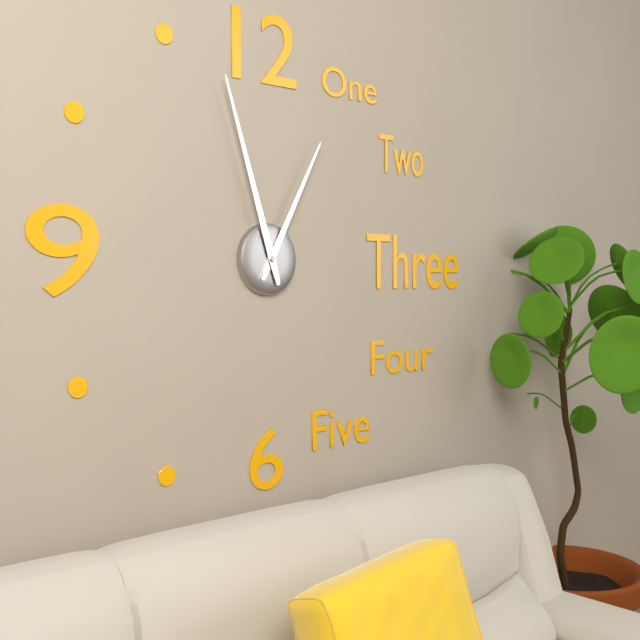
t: 12:57
